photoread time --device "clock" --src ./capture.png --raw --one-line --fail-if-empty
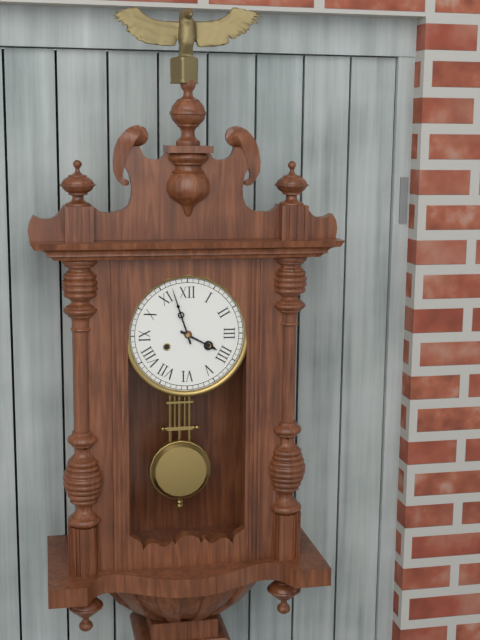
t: 3:57
